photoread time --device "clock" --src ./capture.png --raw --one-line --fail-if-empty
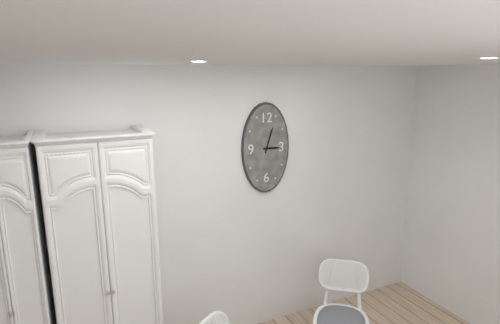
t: 3:03
